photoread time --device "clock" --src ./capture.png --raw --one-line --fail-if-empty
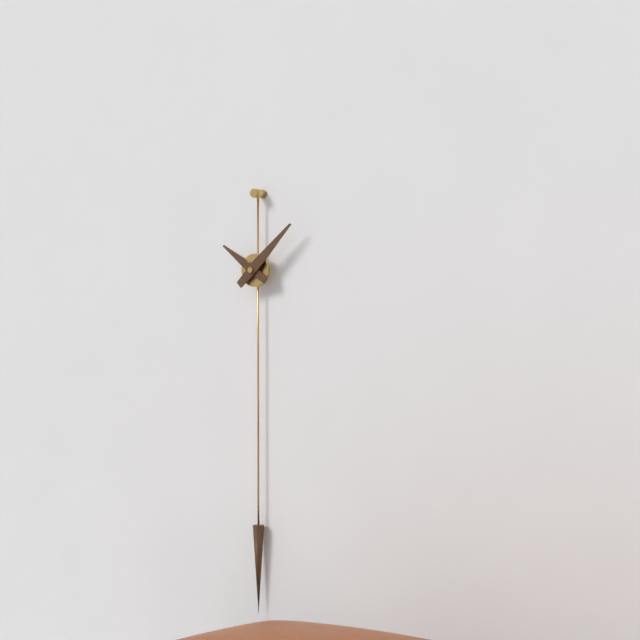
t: 10:08
